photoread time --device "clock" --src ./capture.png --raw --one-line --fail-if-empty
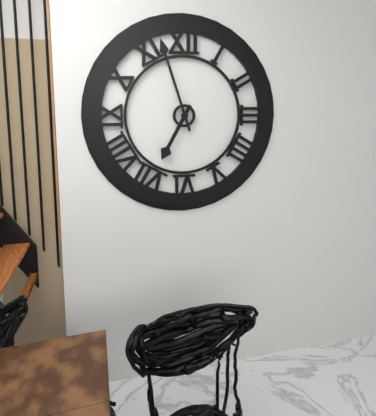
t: 6:57
